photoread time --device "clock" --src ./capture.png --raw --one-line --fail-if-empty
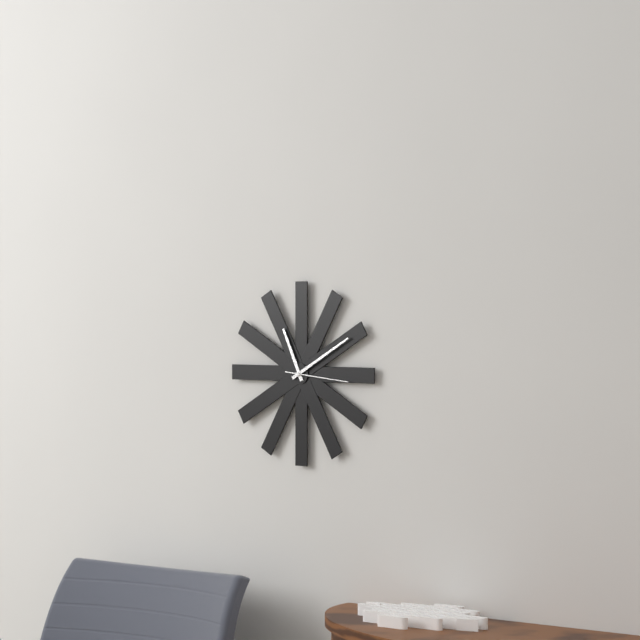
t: 11:10:16
